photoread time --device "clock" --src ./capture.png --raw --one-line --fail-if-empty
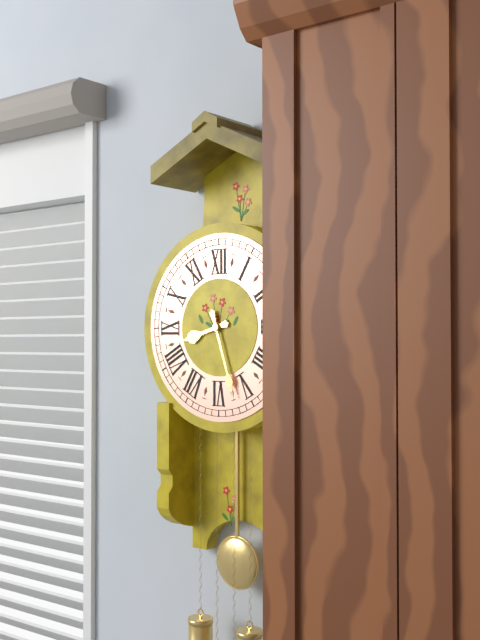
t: 8:27
